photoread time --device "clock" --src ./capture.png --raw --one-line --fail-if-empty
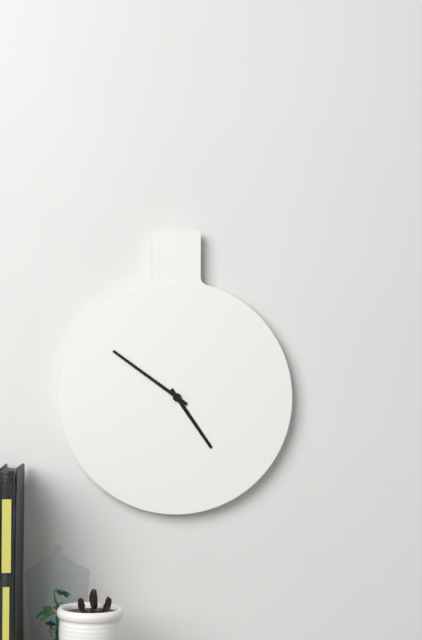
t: 4:51
